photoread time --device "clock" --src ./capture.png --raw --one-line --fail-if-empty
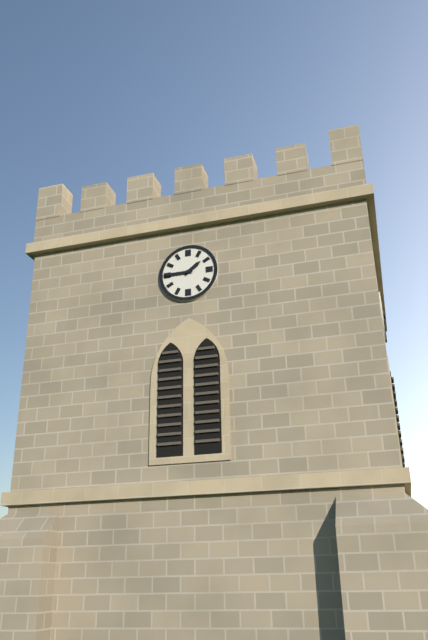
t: 1:45
